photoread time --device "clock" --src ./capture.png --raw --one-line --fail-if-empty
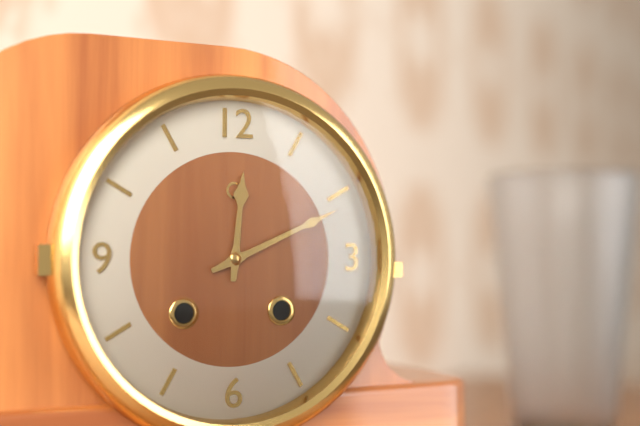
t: 12:11
